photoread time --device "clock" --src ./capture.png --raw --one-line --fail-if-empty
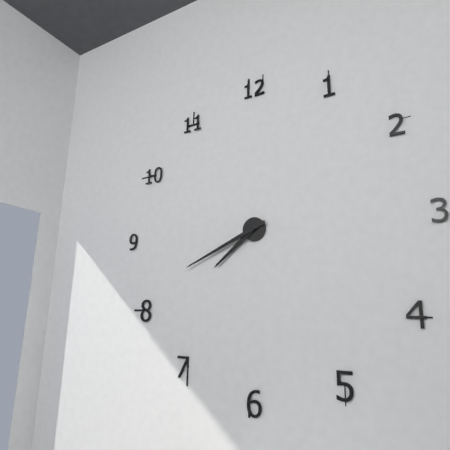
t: 7:41
